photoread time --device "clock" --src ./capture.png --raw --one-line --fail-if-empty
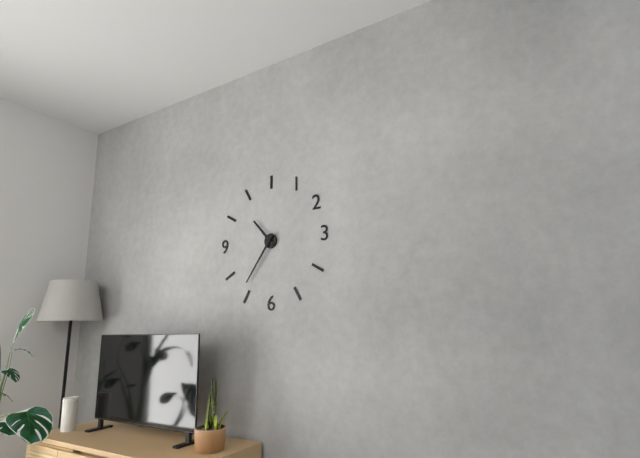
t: 10:36
